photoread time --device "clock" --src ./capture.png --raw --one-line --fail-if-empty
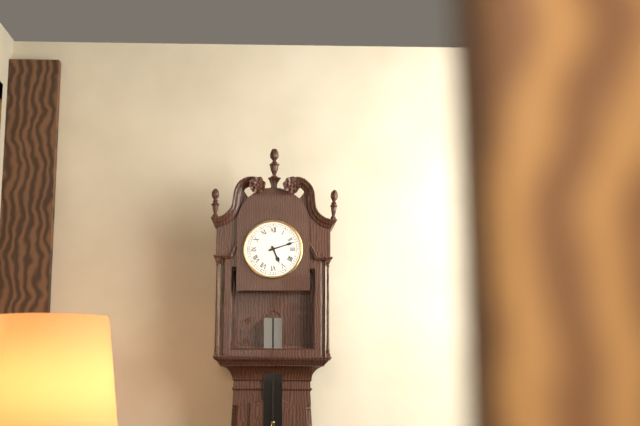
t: 5:12
